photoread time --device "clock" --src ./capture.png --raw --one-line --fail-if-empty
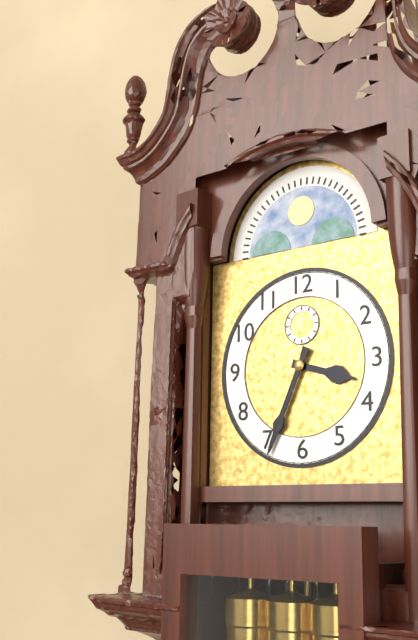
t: 3:34
